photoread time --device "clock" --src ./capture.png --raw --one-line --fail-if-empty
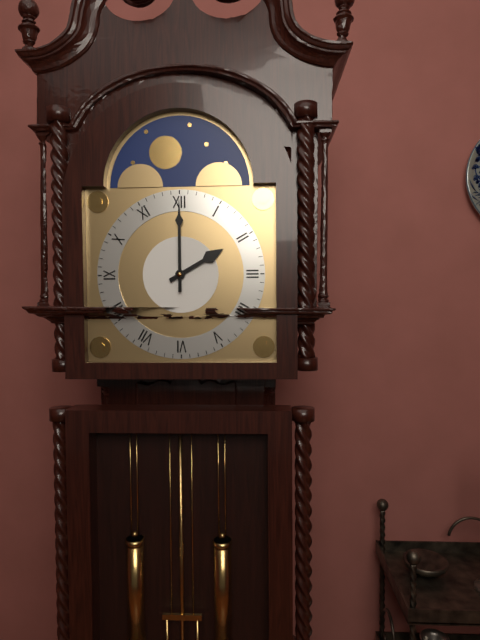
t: 2:00
